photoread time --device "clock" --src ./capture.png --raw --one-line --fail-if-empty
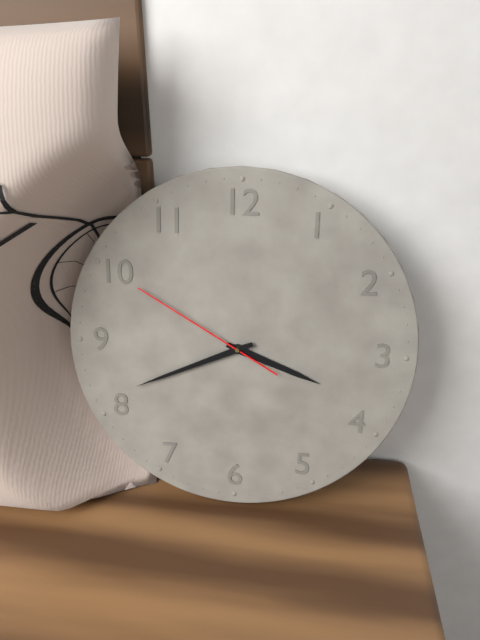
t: 3:41:50
